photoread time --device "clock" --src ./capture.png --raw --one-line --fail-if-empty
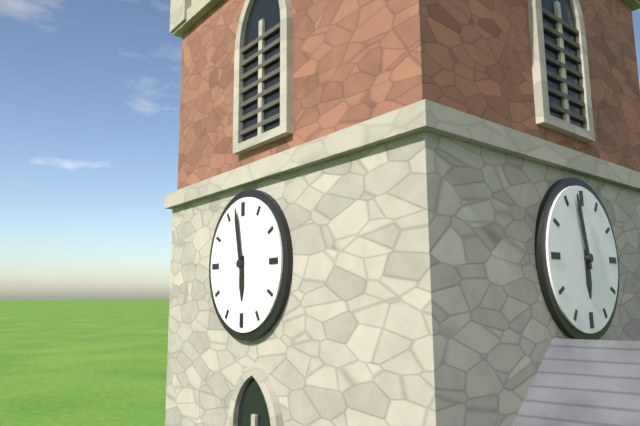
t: 5:58
